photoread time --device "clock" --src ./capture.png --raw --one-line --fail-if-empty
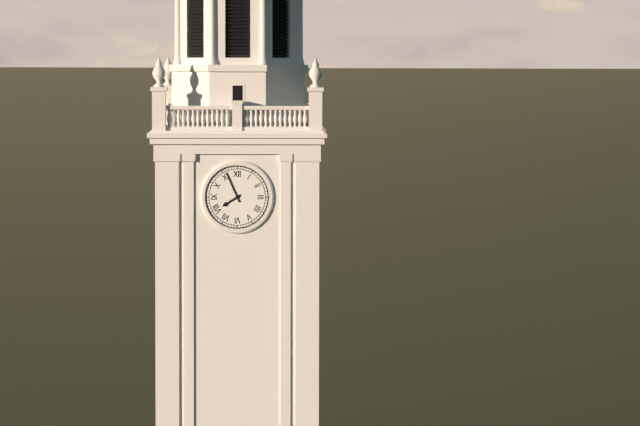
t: 7:56
